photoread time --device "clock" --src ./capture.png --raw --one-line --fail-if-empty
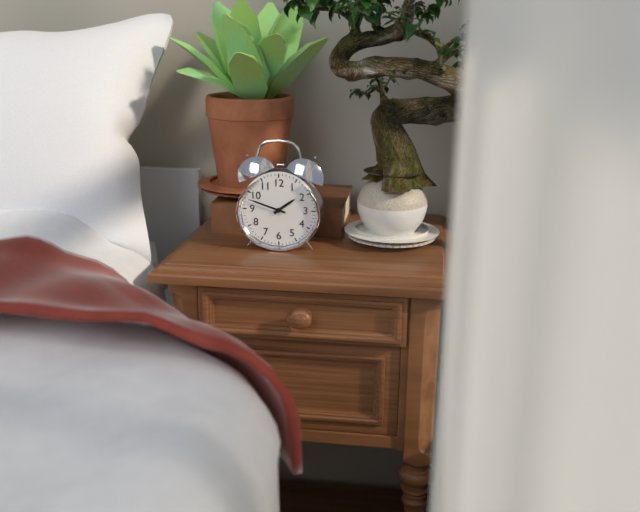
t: 1:48
